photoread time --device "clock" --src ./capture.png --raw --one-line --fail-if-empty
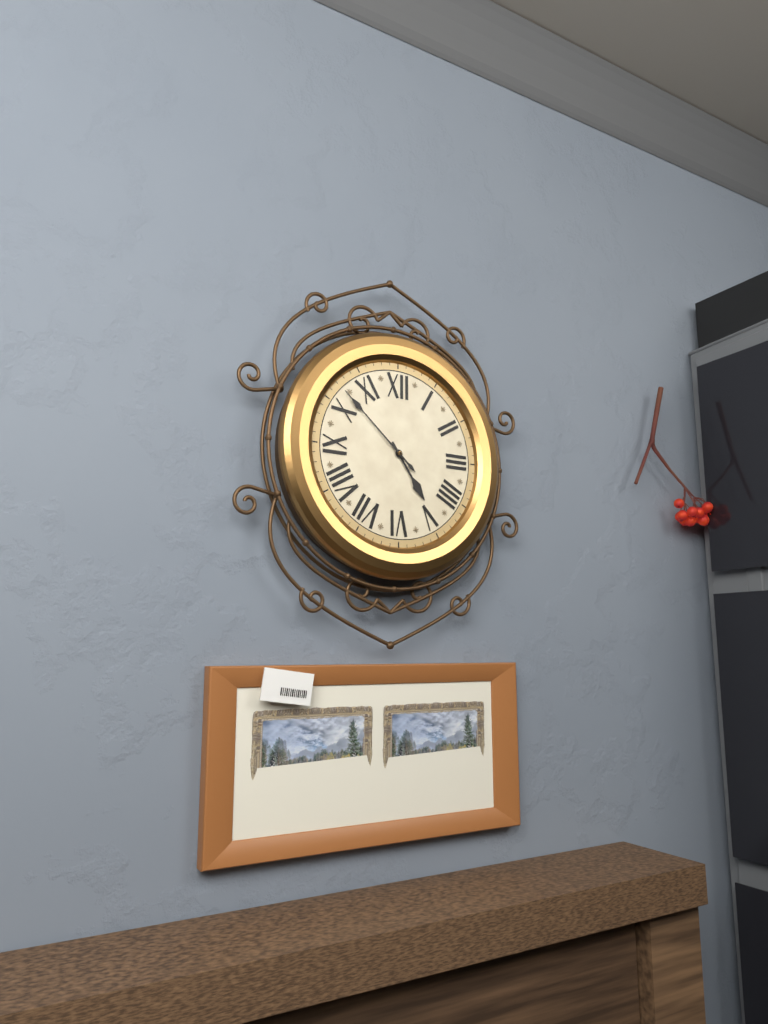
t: 4:52
